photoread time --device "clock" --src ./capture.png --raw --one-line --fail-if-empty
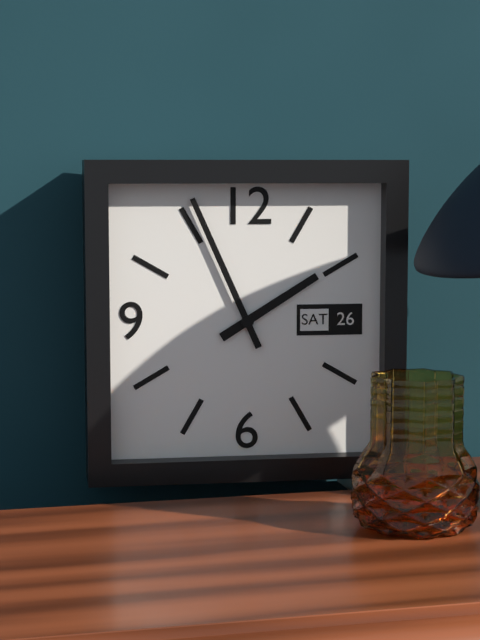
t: 1:56
